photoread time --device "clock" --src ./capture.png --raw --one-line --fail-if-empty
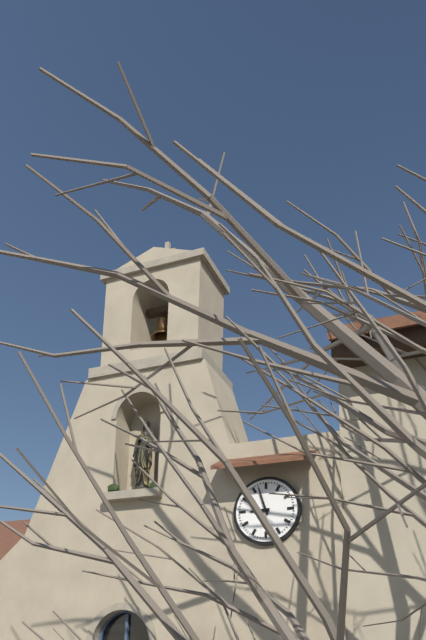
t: 8:57
